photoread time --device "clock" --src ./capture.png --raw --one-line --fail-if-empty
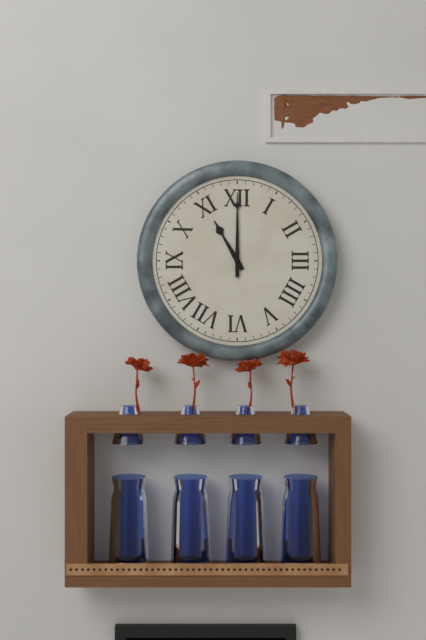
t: 11:00
